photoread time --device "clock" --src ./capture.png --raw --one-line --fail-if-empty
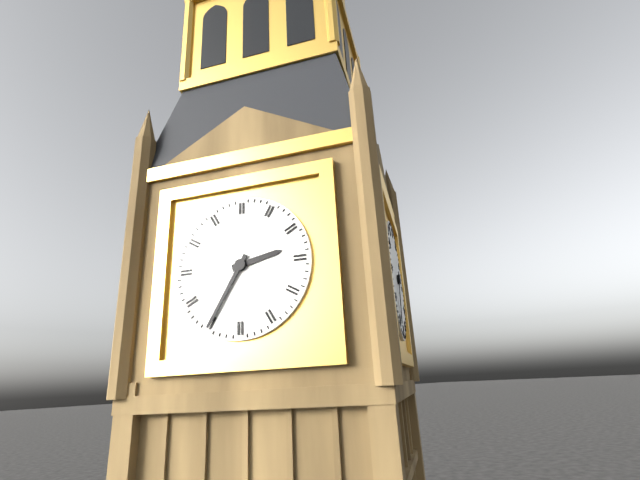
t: 2:35
